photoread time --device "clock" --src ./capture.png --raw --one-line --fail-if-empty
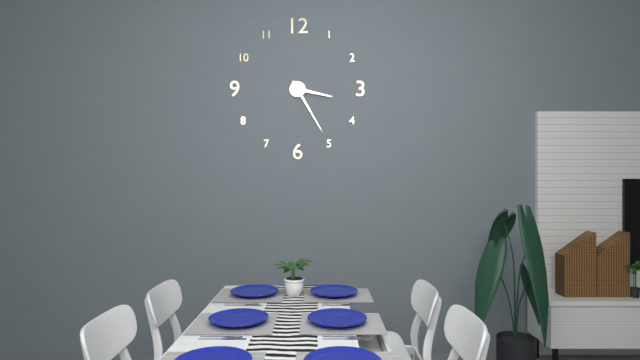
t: 3:25
